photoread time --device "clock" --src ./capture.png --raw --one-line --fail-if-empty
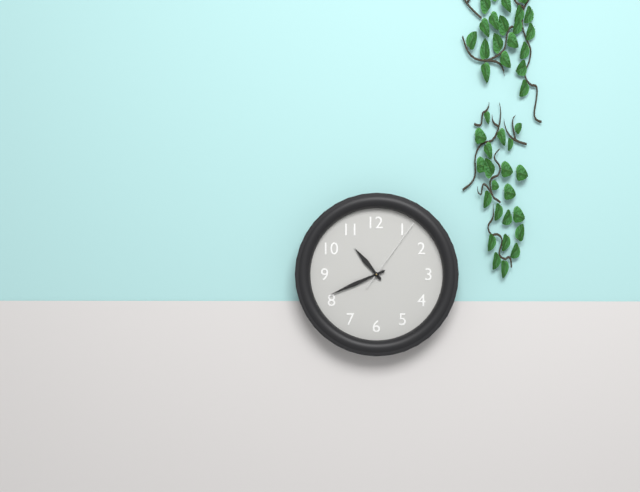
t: 10:41:06
